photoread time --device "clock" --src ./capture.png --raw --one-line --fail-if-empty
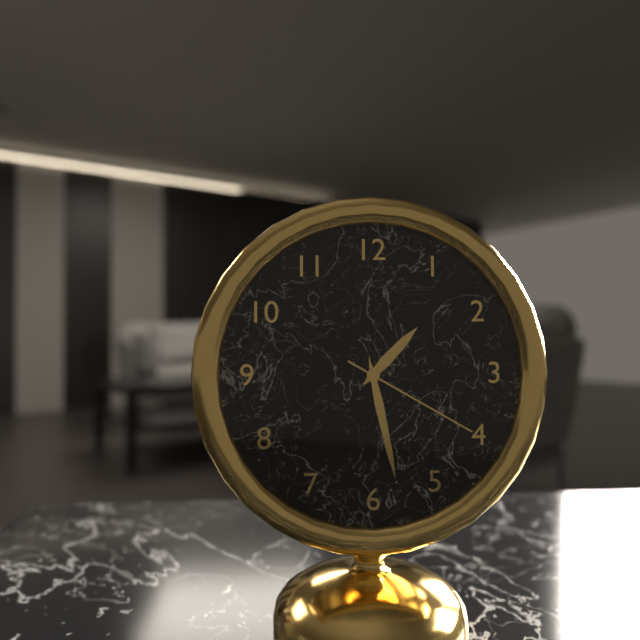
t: 1:28:20
